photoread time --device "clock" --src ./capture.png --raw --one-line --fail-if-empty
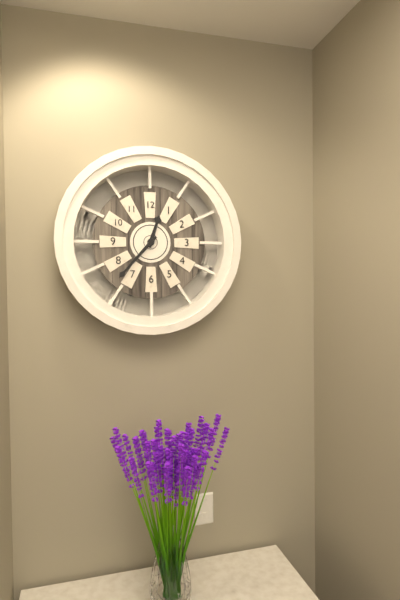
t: 12:37
